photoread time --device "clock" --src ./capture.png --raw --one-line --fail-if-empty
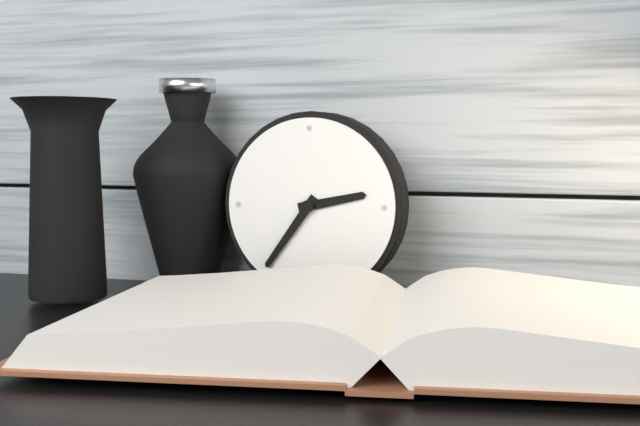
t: 2:36
